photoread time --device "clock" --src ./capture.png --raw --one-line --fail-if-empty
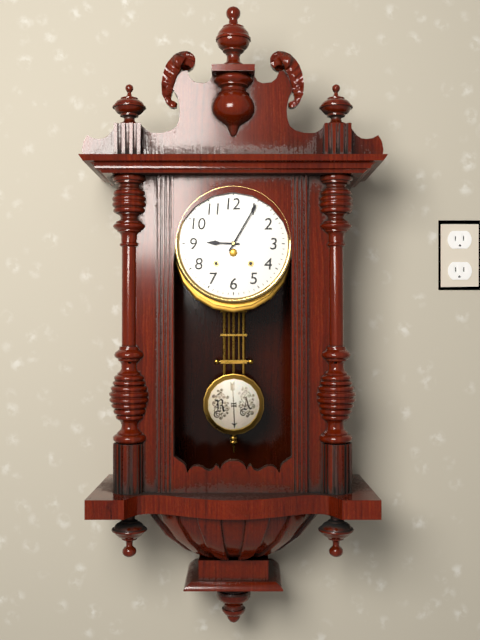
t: 9:05
